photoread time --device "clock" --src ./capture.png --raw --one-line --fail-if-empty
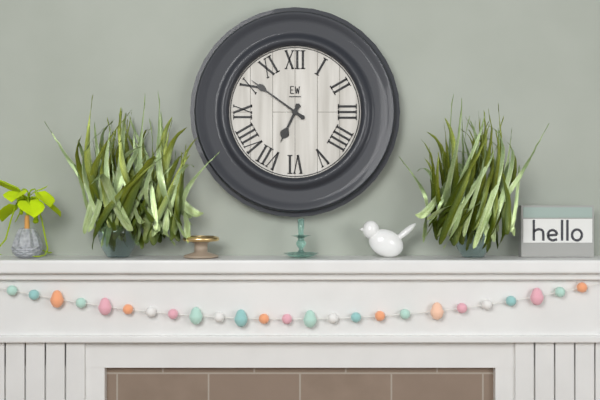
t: 6:51
